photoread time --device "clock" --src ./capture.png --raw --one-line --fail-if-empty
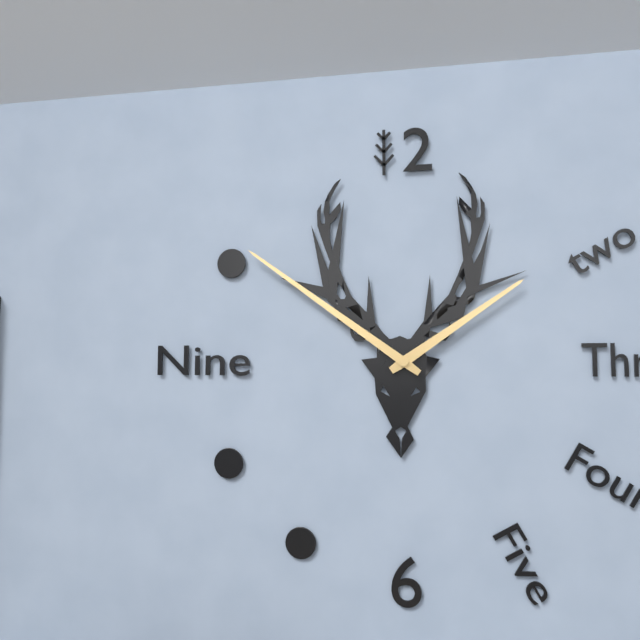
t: 1:51
